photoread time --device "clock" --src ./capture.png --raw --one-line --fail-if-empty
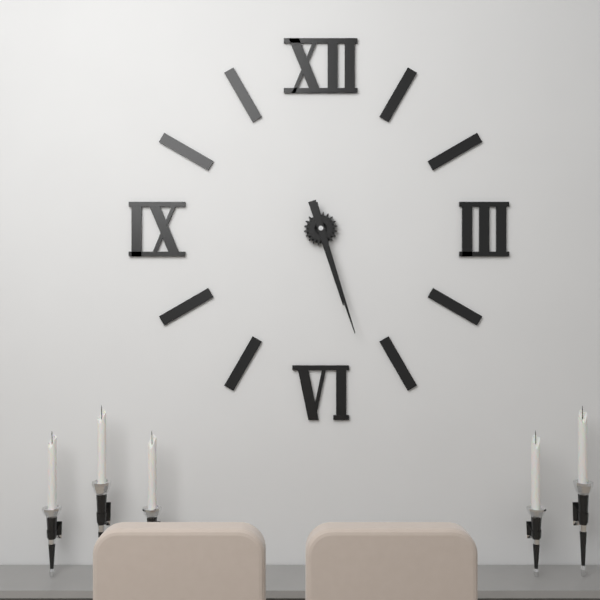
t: 5:27
